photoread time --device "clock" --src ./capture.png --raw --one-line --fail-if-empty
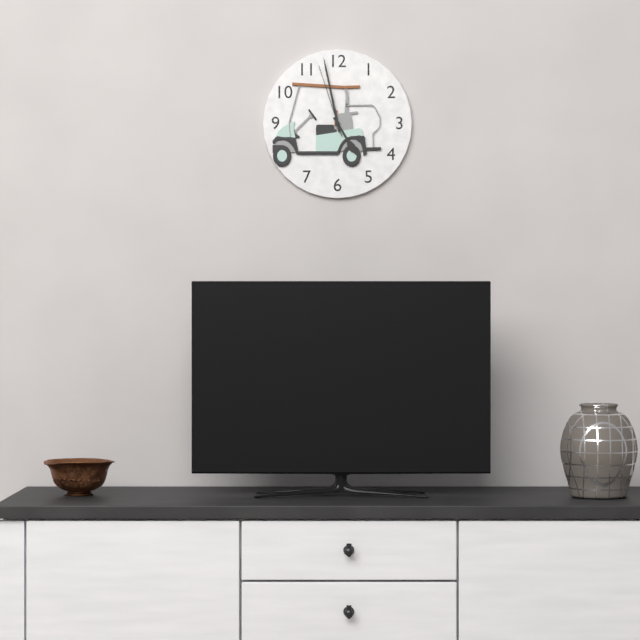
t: 4:58:57
